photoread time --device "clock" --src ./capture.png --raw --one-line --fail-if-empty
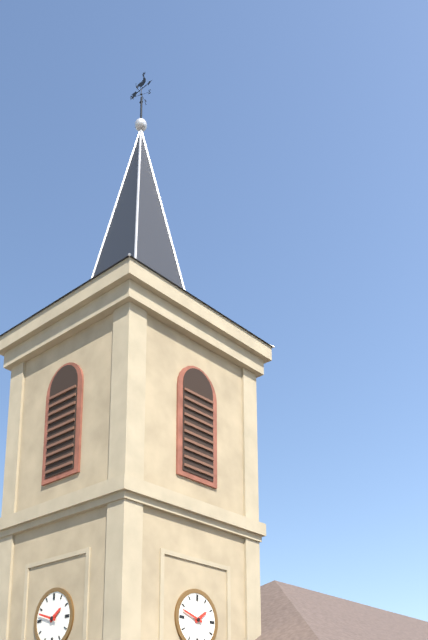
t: 1:48
